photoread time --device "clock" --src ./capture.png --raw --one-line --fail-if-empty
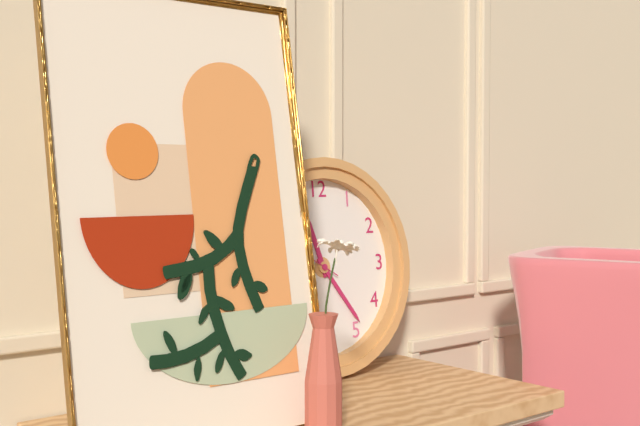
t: 11:24
